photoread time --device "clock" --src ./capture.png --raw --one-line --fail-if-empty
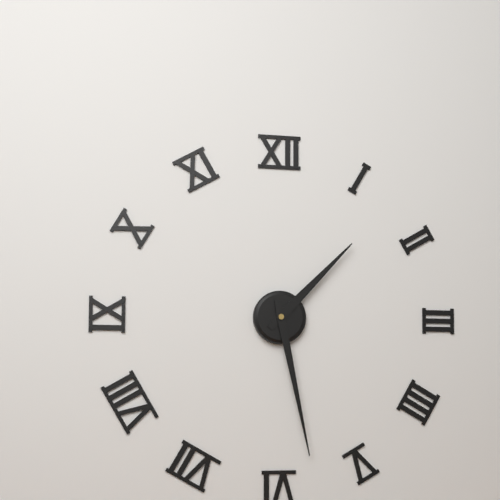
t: 1:28
